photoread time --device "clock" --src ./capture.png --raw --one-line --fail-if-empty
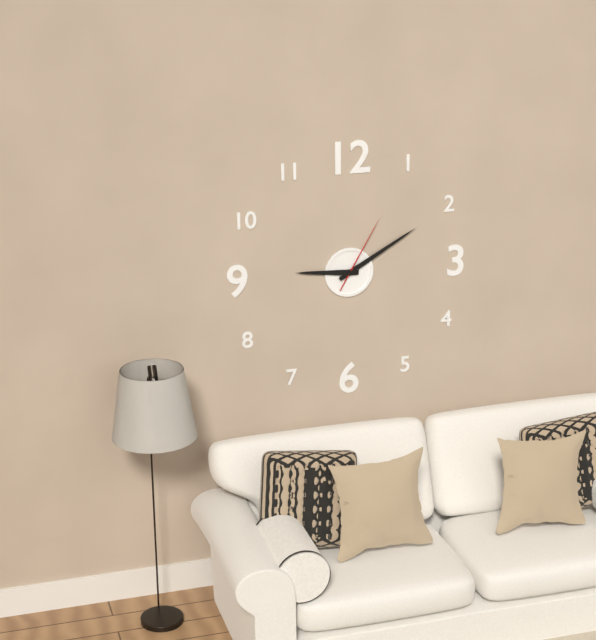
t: 9:10:05
